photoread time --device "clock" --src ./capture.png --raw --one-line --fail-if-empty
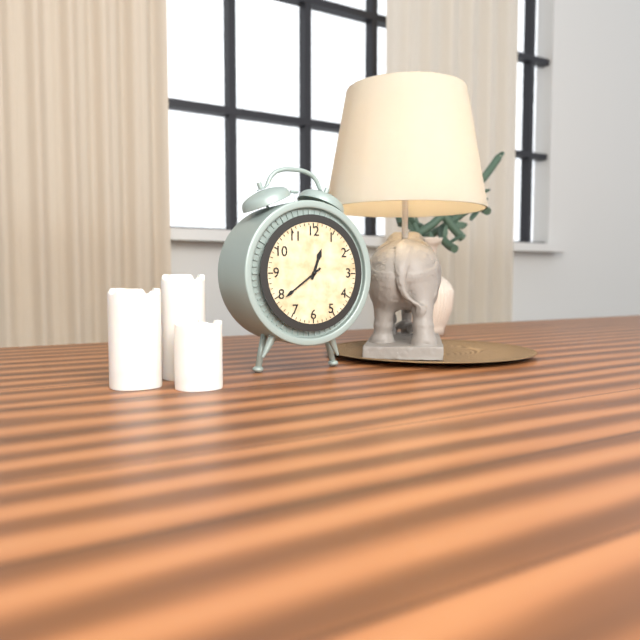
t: 12:39
